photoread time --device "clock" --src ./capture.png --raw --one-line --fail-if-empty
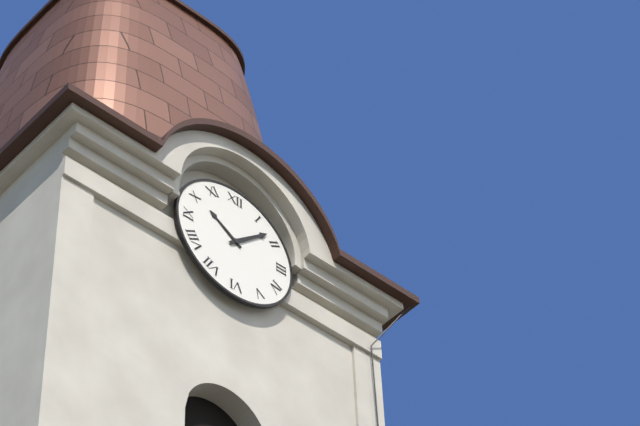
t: 10:08
